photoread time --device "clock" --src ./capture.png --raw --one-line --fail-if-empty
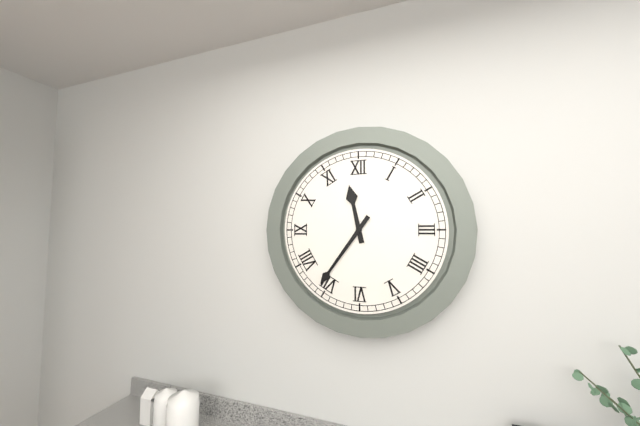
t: 11:36
